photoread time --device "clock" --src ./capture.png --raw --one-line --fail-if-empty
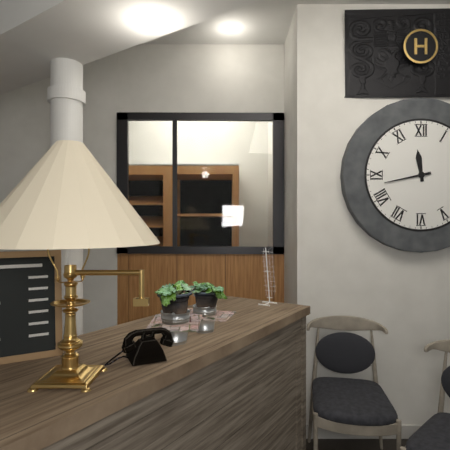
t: 11:43
